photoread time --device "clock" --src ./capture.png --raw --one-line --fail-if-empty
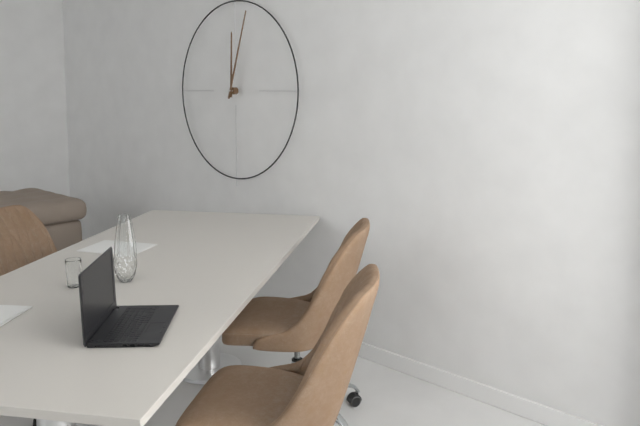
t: 12:03
